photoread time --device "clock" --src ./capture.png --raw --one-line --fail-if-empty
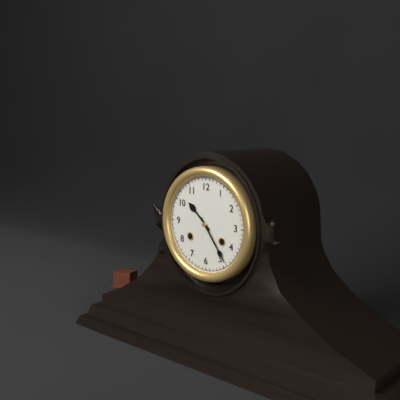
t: 10:24
